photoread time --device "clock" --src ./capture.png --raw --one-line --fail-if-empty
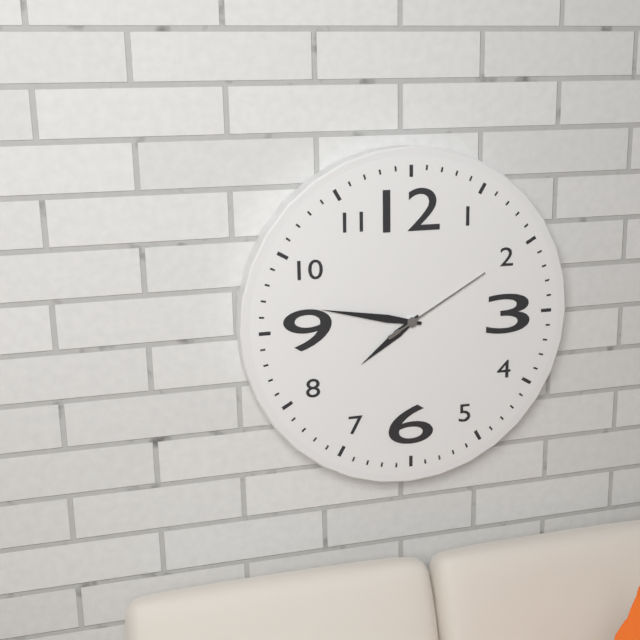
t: 7:47:10
